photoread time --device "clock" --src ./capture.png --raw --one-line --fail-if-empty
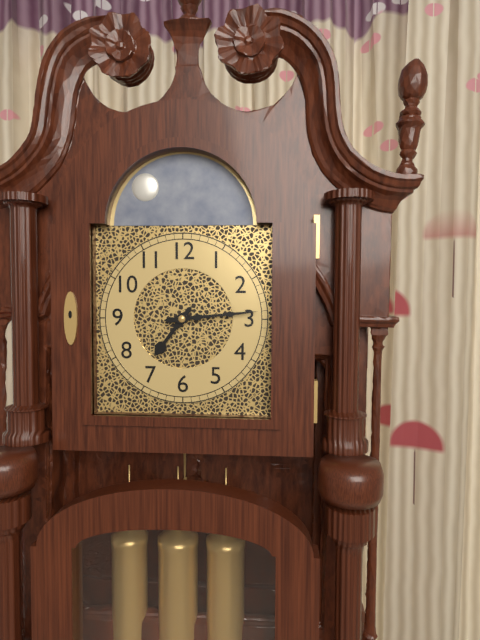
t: 7:14
